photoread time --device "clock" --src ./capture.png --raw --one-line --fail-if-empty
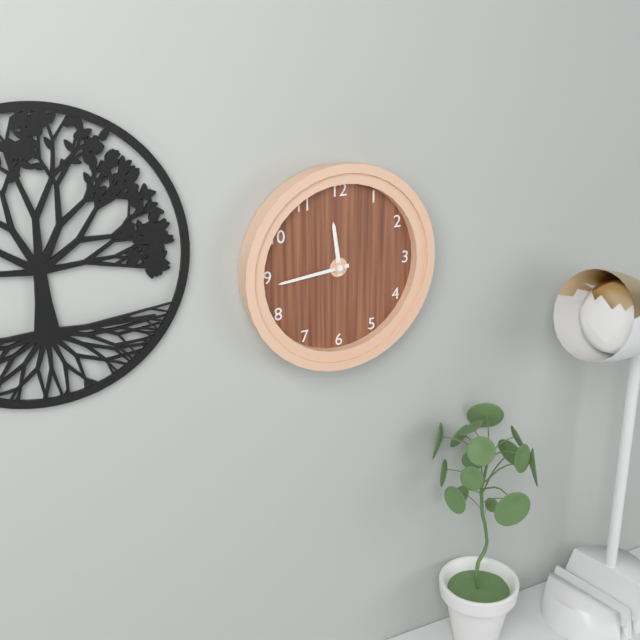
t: 11:44
